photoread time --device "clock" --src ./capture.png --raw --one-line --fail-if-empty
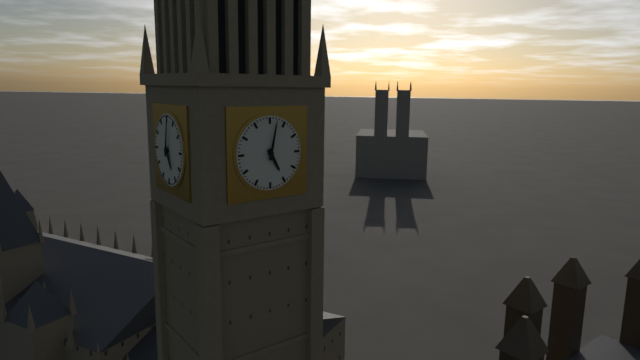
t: 5:02
